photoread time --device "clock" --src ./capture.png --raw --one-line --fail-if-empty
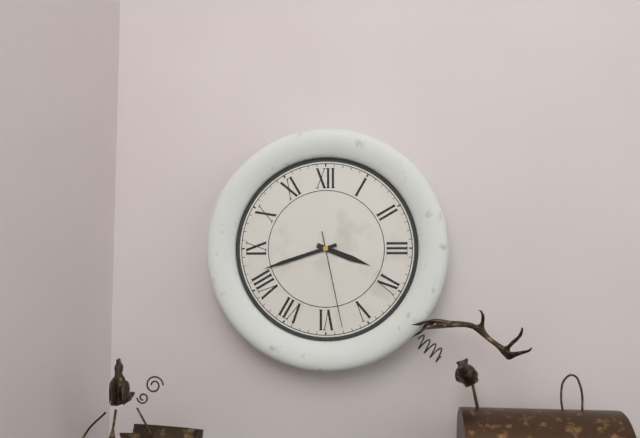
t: 3:42:28
